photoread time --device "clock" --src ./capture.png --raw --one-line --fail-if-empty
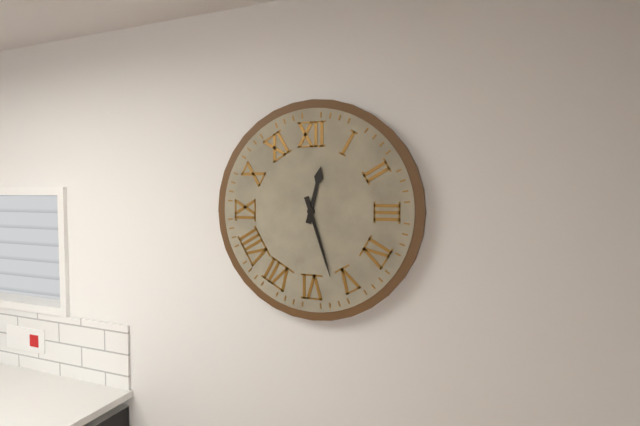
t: 12:27
